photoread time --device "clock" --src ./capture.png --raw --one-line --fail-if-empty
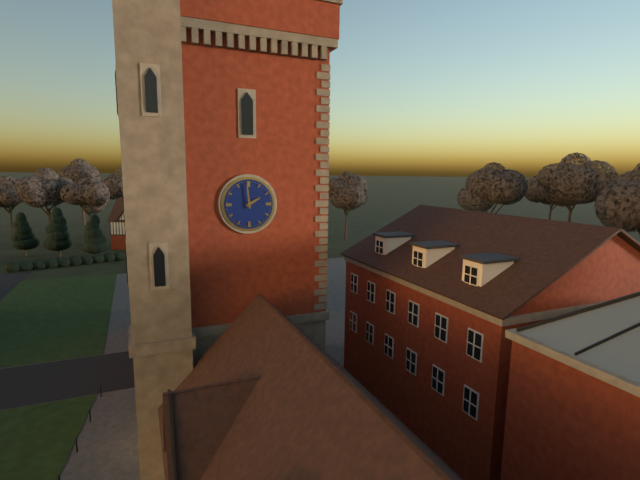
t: 1:59
